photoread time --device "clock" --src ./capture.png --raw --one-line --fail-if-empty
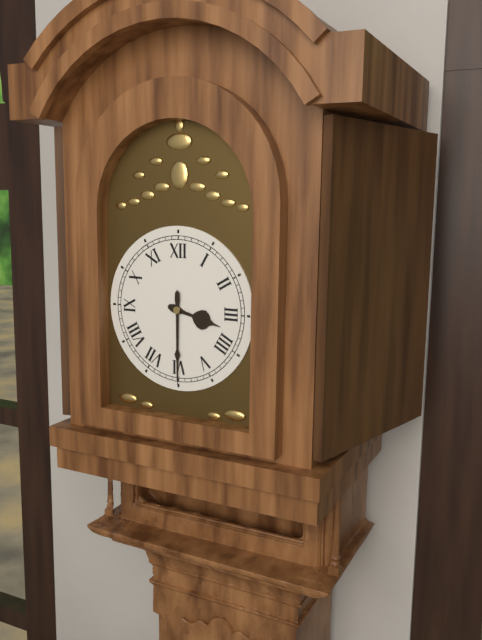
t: 3:30
